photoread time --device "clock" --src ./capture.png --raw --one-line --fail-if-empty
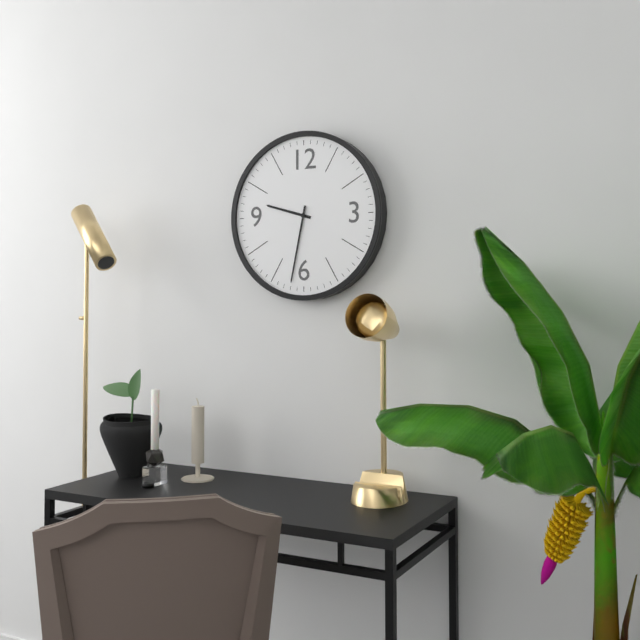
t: 9:32
